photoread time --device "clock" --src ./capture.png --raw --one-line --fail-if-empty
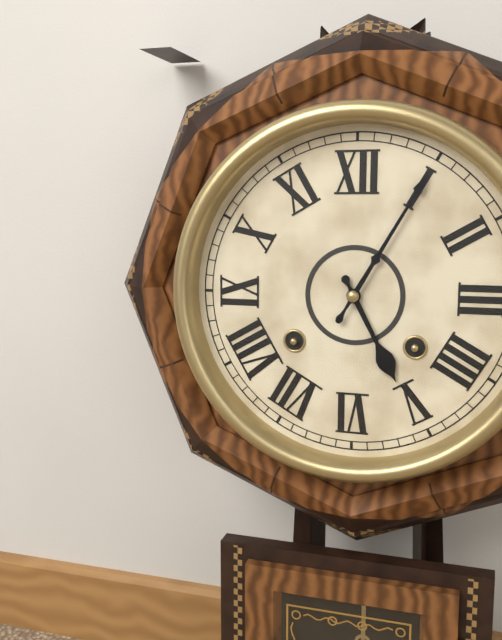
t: 5:05
